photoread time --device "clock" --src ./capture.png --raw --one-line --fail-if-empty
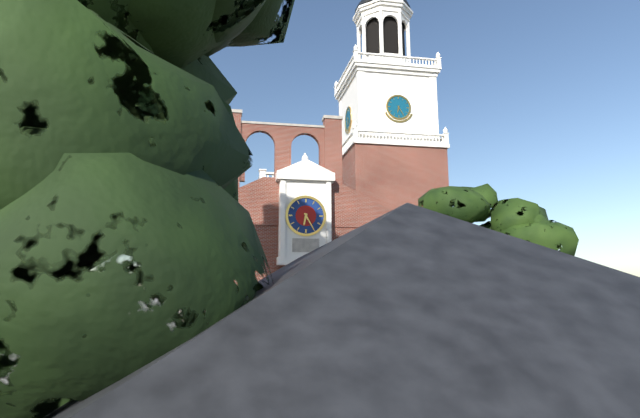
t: 6:25
